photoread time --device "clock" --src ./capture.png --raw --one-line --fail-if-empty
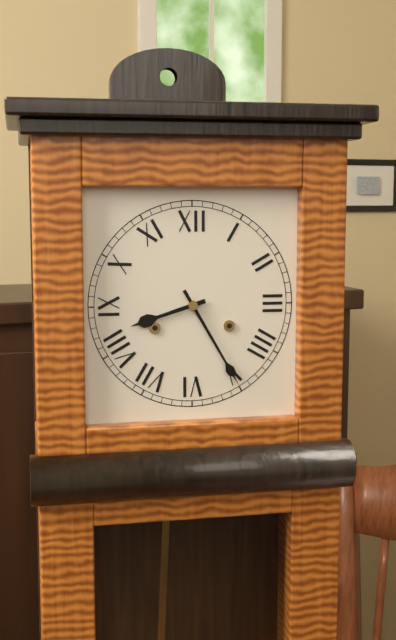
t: 8:25
